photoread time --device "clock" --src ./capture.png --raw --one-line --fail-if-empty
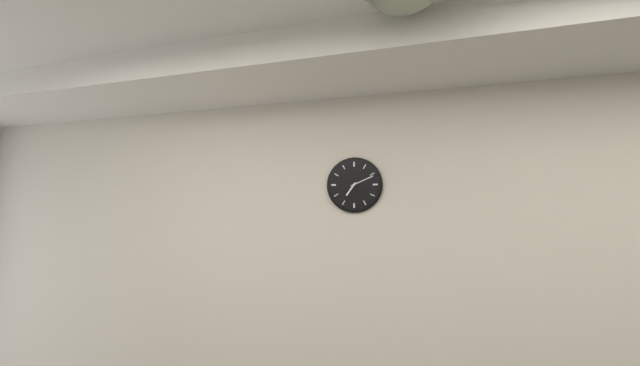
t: 7:11
